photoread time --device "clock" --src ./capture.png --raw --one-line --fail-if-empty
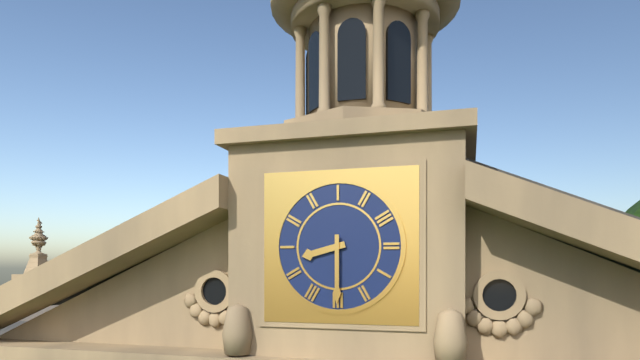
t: 8:30
